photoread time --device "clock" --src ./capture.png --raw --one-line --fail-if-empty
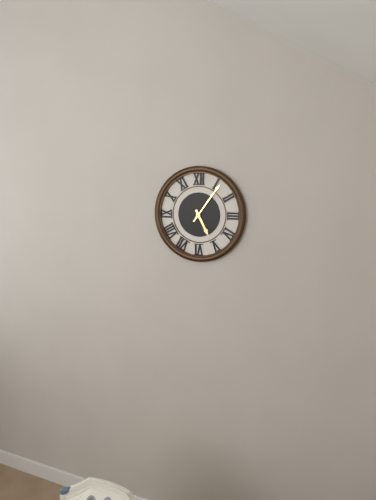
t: 5:06
